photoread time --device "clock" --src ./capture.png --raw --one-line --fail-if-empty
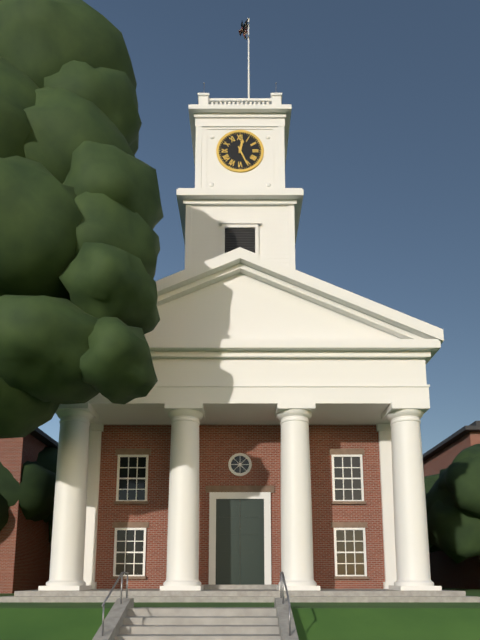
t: 12:26
